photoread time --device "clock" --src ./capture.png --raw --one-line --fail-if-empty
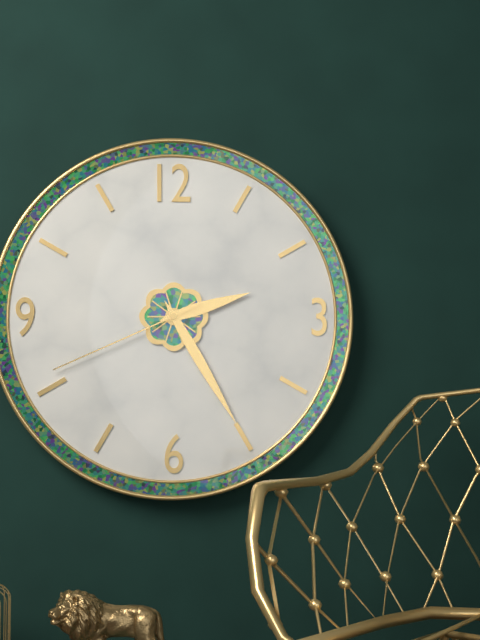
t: 2:25:41
